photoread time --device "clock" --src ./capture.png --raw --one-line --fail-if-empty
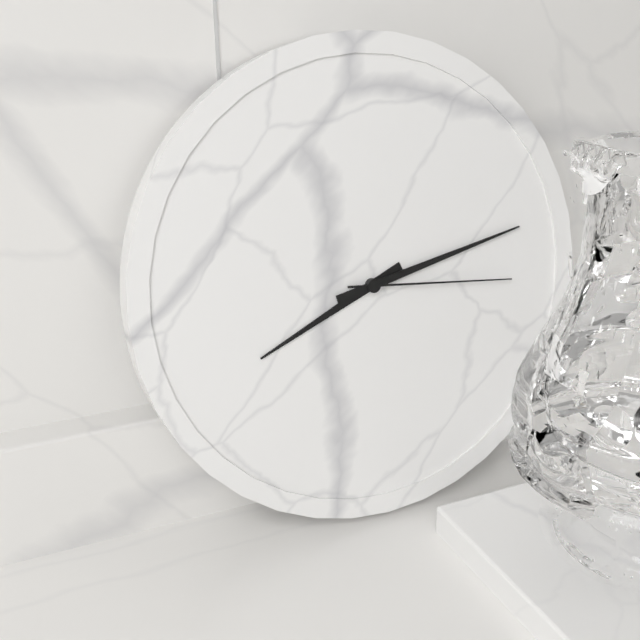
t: 8:13:16
